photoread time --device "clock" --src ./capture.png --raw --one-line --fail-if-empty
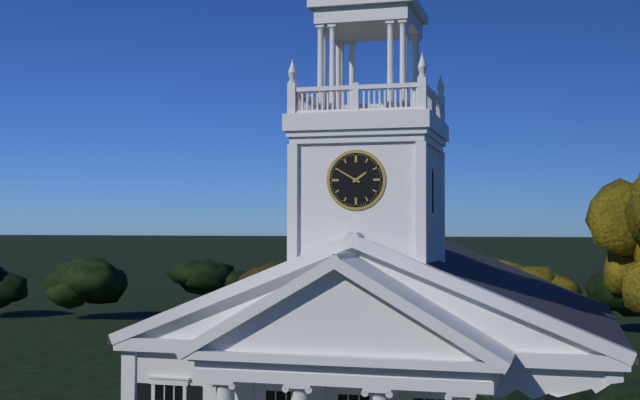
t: 1:50
